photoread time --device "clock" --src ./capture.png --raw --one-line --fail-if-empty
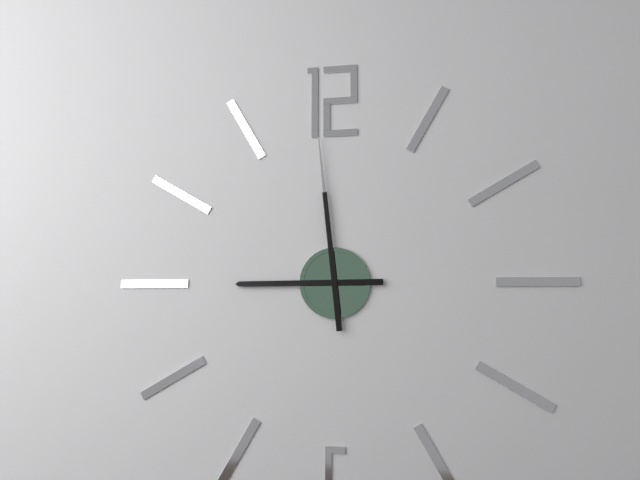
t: 8:59
